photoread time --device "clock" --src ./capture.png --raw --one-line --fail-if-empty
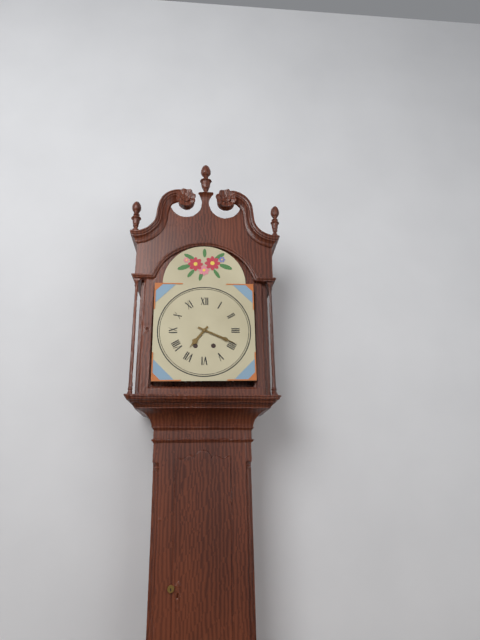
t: 7:19
